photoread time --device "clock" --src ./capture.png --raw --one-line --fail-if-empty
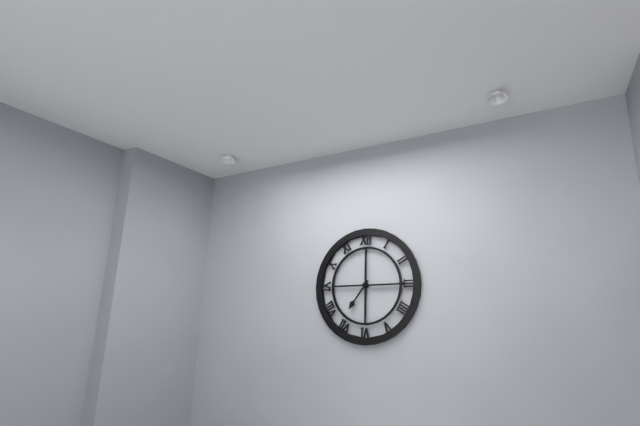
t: 7:15
